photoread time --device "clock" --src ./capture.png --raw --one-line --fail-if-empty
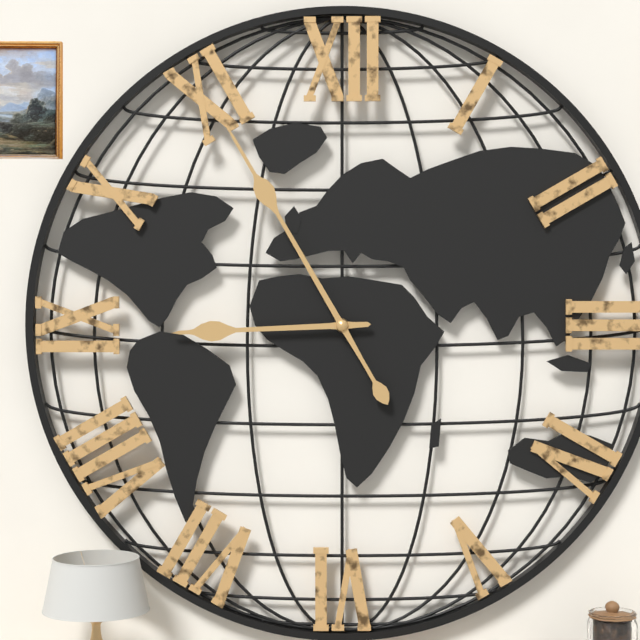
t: 8:55
